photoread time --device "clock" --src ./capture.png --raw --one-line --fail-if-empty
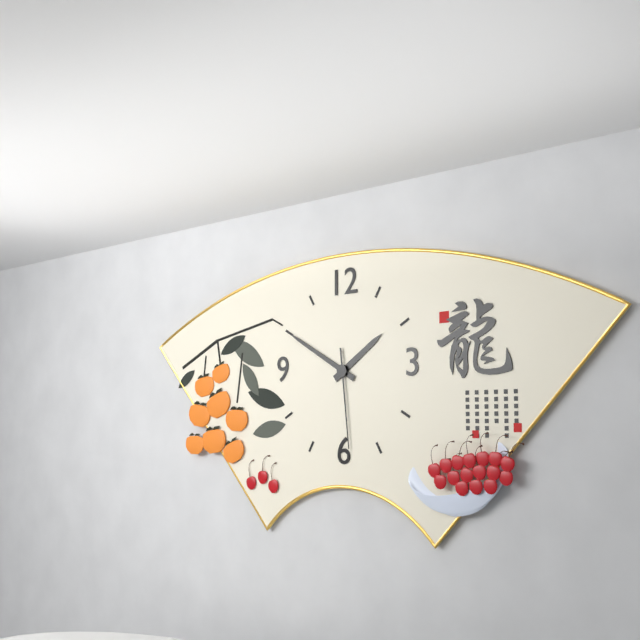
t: 1:50:29
